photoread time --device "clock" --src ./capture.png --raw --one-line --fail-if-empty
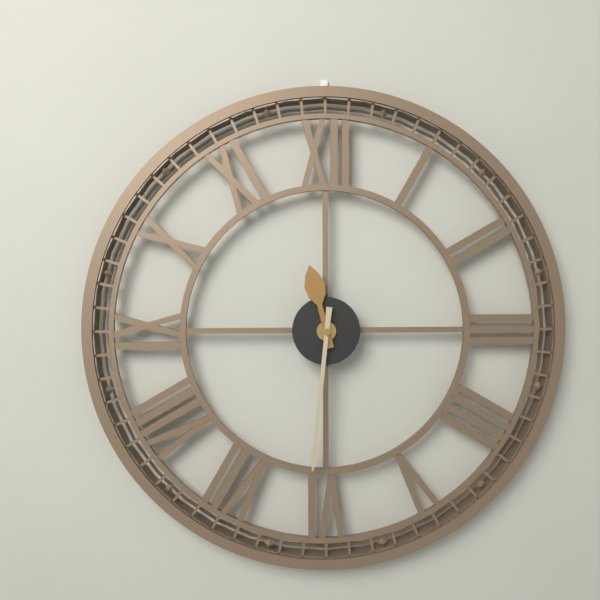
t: 11:31
